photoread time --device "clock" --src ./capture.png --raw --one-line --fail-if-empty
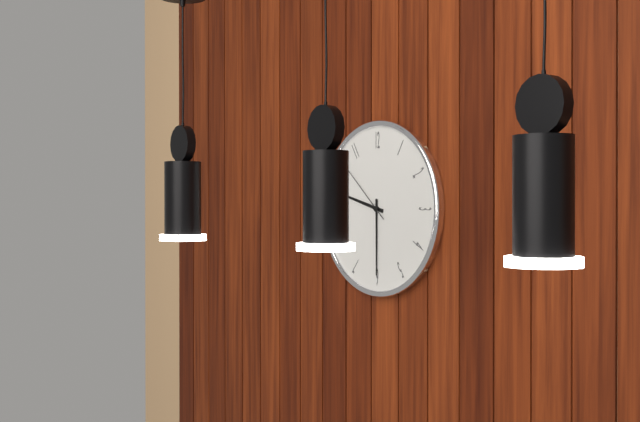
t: 9:30:52
